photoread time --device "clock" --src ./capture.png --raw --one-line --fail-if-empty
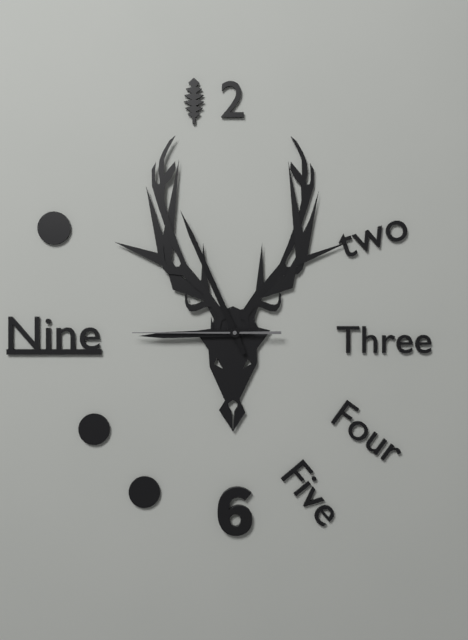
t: 8:56:45
